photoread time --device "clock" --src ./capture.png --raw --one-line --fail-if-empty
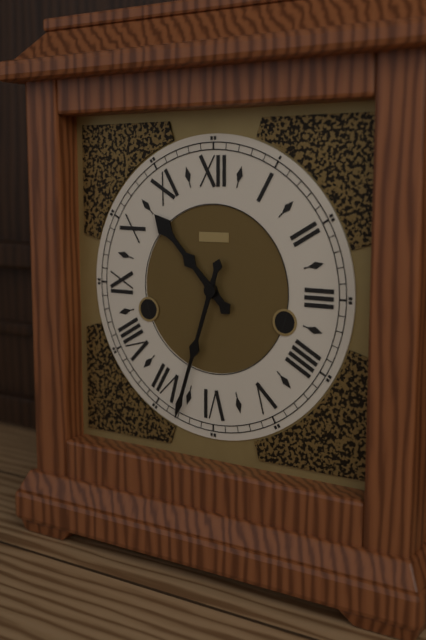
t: 10:33
